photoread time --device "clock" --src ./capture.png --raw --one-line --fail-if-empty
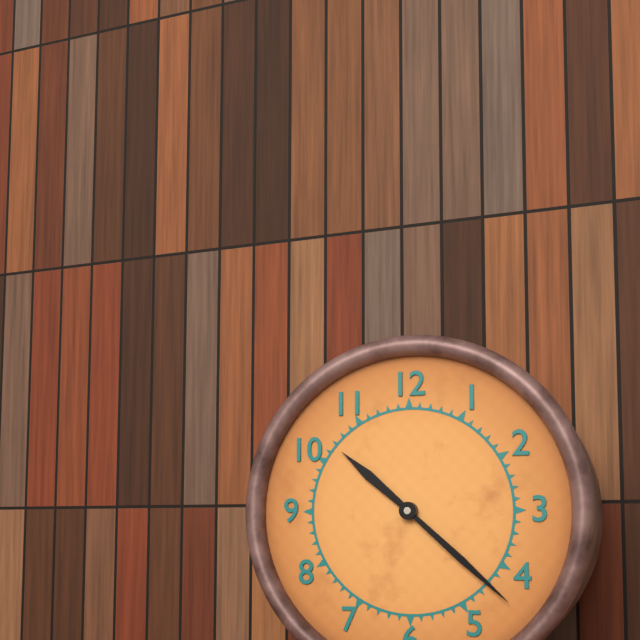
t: 10:22
